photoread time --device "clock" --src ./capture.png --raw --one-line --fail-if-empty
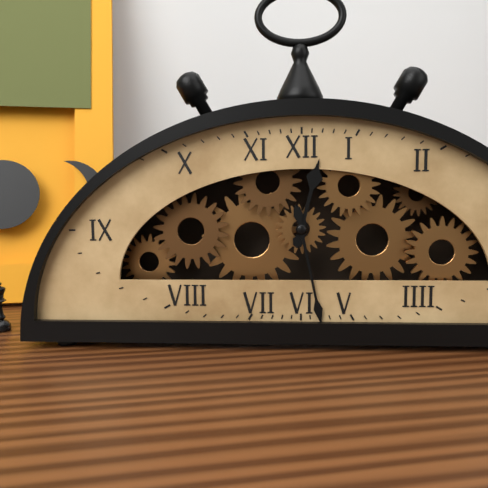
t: 12:28
